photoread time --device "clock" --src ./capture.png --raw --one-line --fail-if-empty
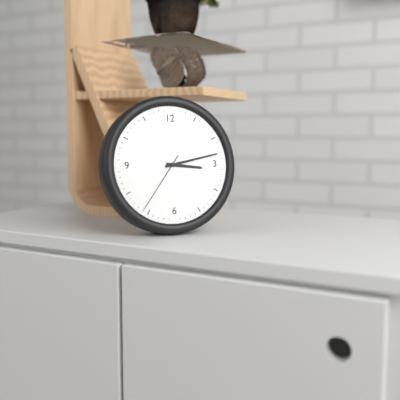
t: 3:13:36
